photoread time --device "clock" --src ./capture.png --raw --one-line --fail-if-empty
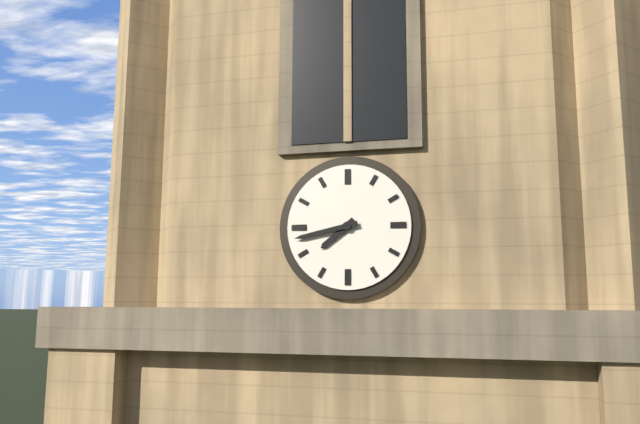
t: 7:43
